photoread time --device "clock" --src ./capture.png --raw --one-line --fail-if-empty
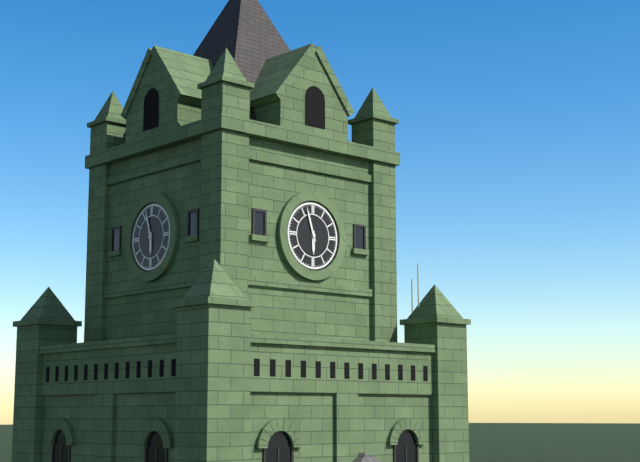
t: 5:57
